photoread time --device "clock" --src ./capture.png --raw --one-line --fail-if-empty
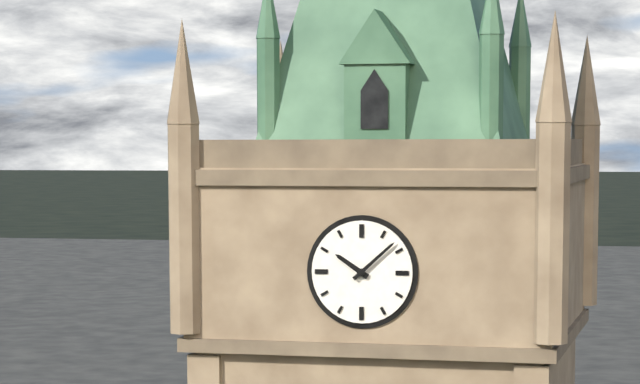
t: 10:08
